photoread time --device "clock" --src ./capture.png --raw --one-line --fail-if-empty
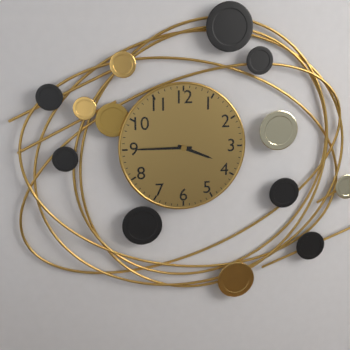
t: 3:45
